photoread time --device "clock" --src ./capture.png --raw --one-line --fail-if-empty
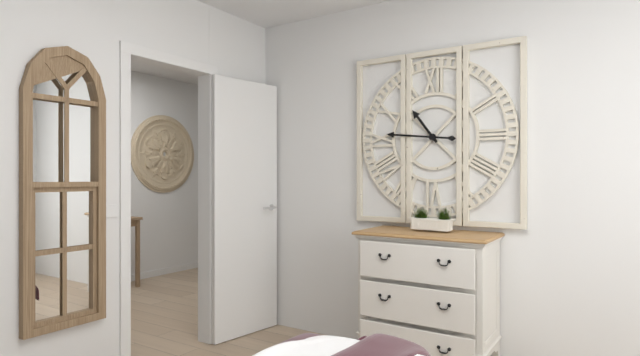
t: 10:46
